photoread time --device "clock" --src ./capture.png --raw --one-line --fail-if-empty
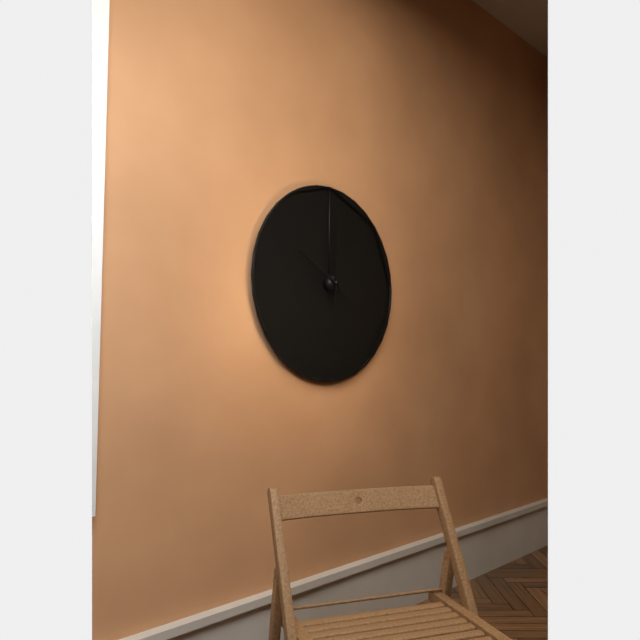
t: 10:01
